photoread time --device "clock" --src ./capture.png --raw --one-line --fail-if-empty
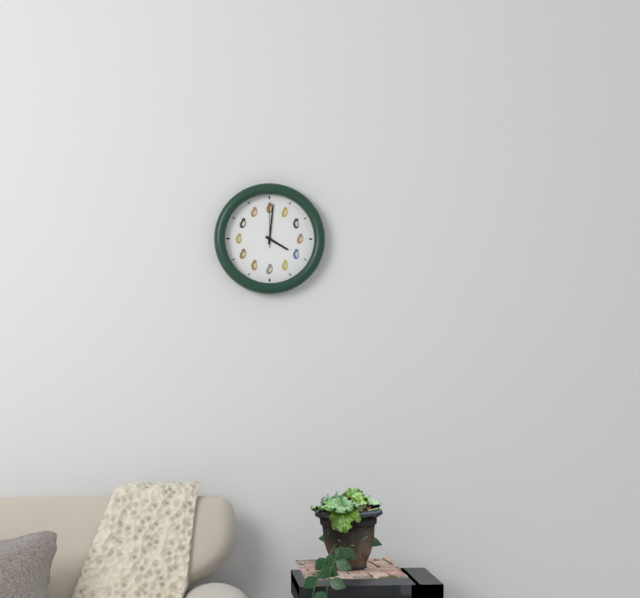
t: 4:01
